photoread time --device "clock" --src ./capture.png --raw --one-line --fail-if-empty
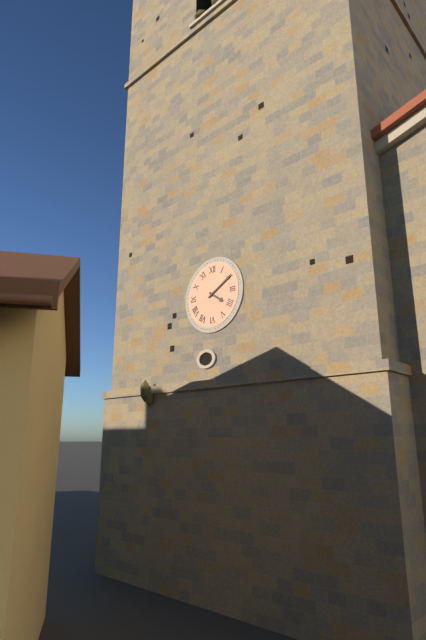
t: 4:10
